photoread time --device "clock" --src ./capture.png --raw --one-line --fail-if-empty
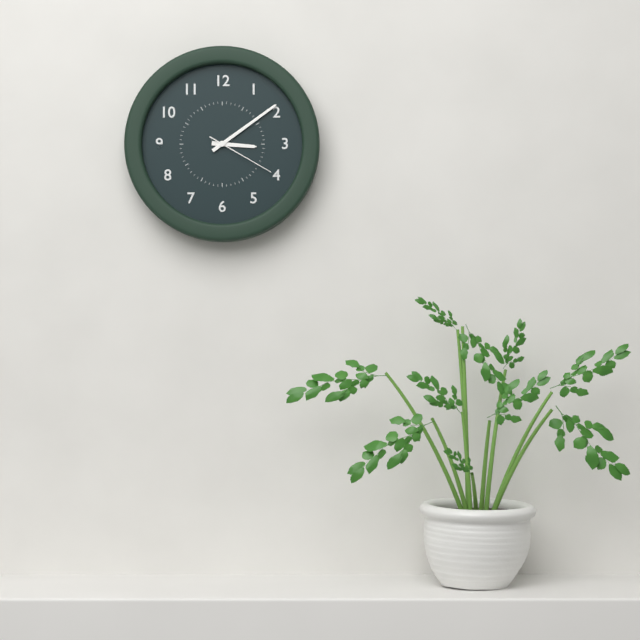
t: 3:09:20
